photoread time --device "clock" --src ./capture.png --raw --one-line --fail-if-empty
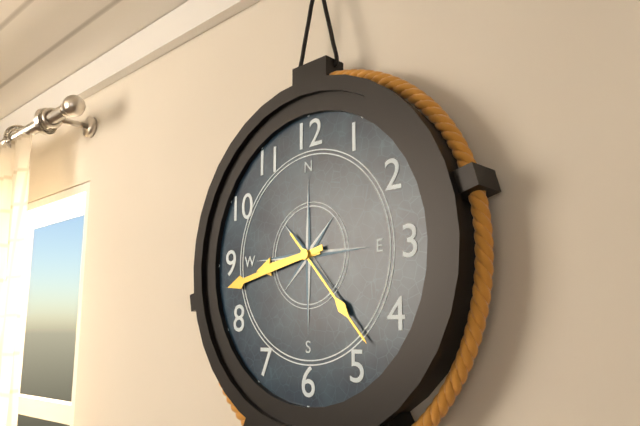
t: 8:43:23
